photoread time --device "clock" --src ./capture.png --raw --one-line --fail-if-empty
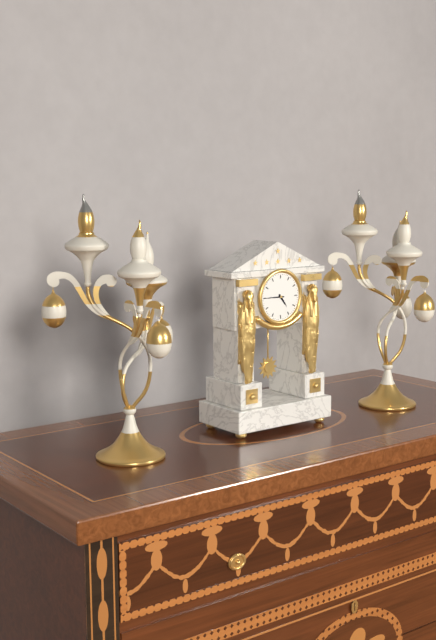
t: 4:45
